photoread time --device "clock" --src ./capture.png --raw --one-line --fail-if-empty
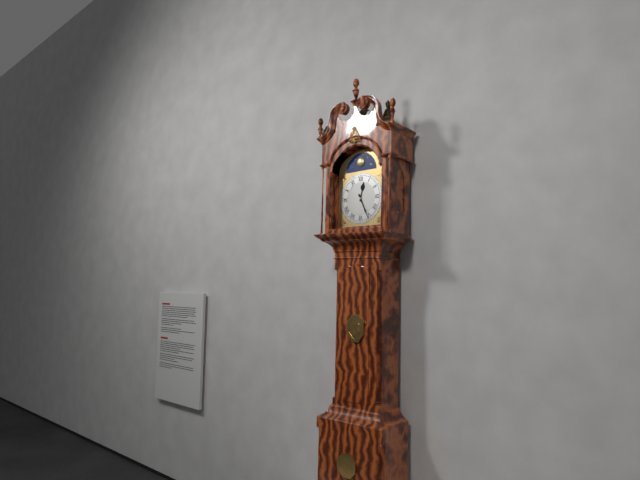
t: 12:26
